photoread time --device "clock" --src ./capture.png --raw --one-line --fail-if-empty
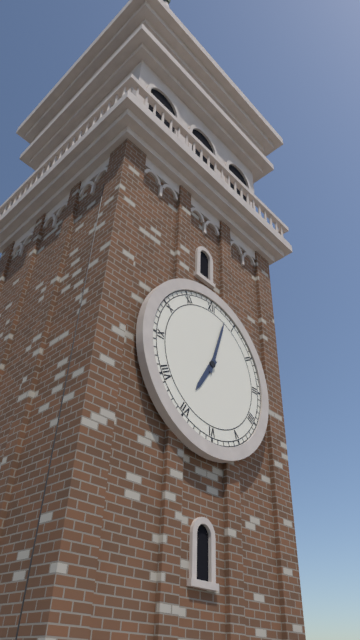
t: 7:03
